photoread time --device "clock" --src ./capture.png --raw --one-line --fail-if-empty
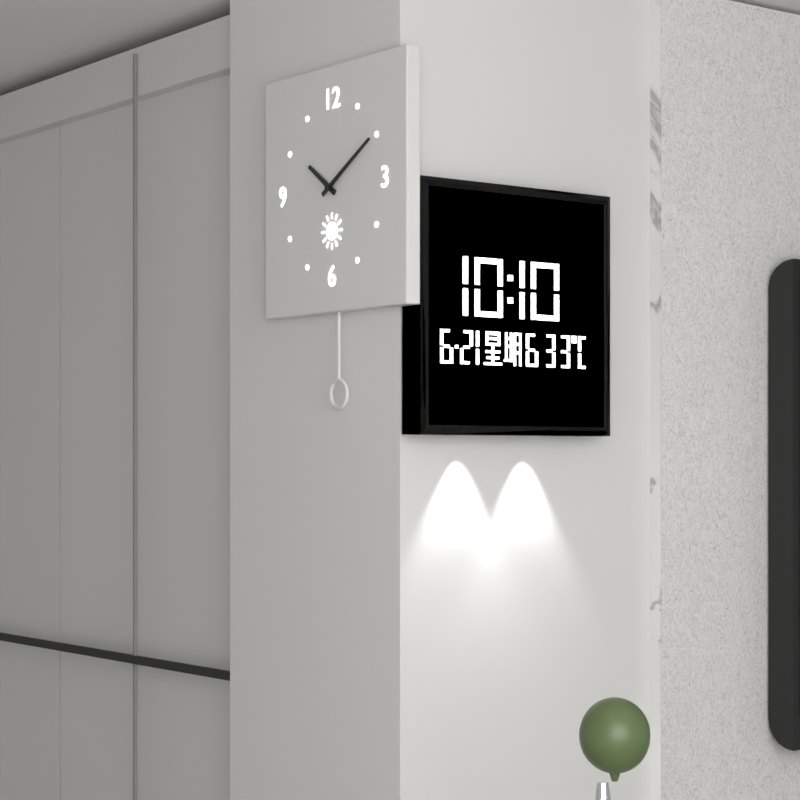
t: 10:10
